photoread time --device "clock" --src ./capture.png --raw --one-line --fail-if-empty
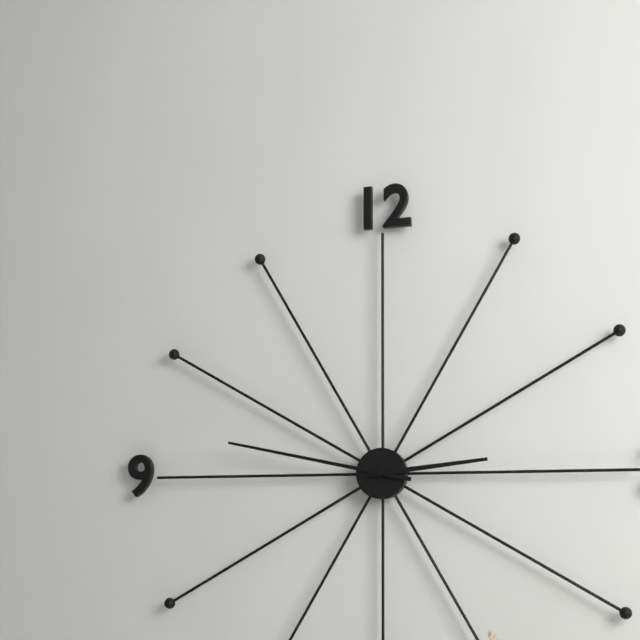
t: 2:47
